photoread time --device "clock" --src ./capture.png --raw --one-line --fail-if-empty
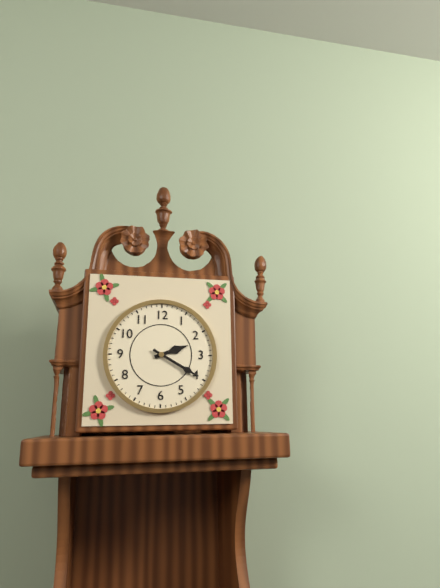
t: 2:20
